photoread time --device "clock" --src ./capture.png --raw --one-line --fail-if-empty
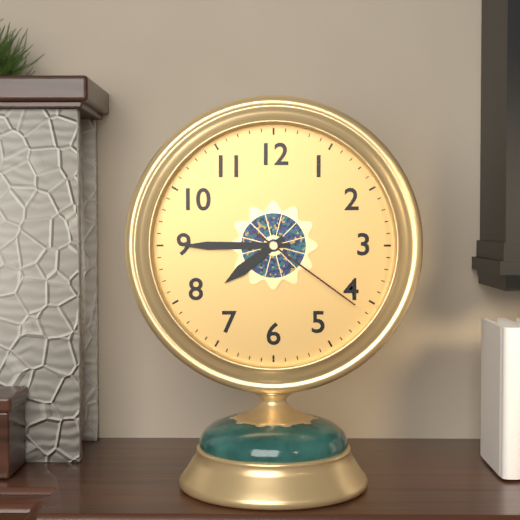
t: 7:45:21
